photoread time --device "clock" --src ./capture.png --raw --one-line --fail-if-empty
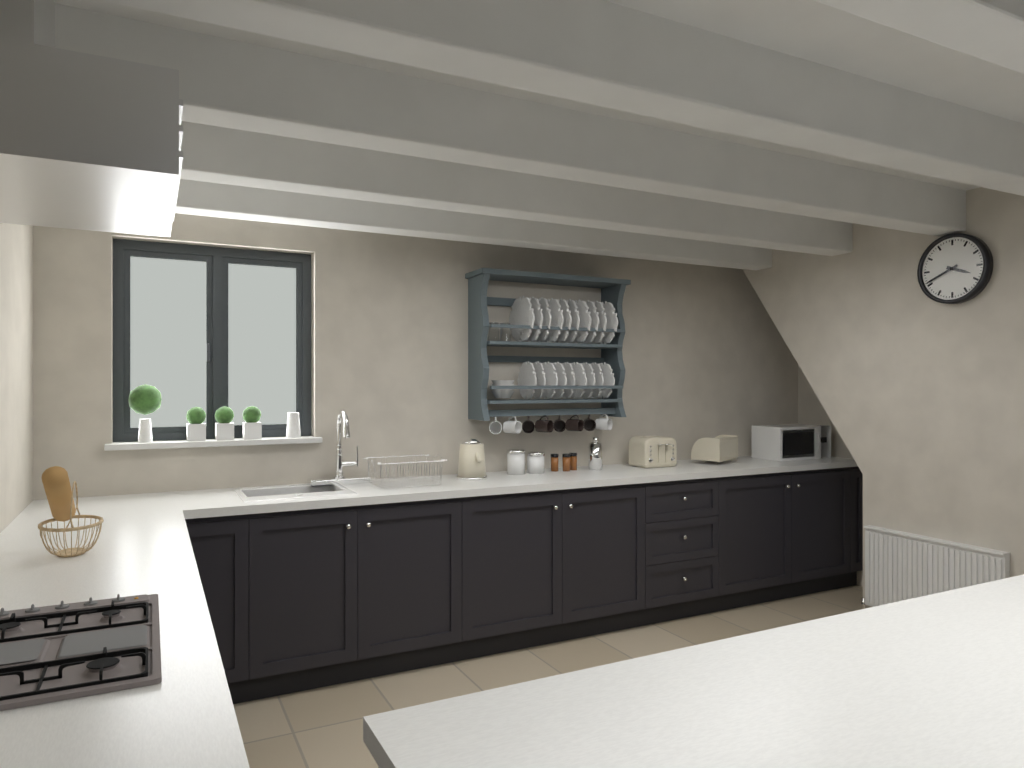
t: 3:41
